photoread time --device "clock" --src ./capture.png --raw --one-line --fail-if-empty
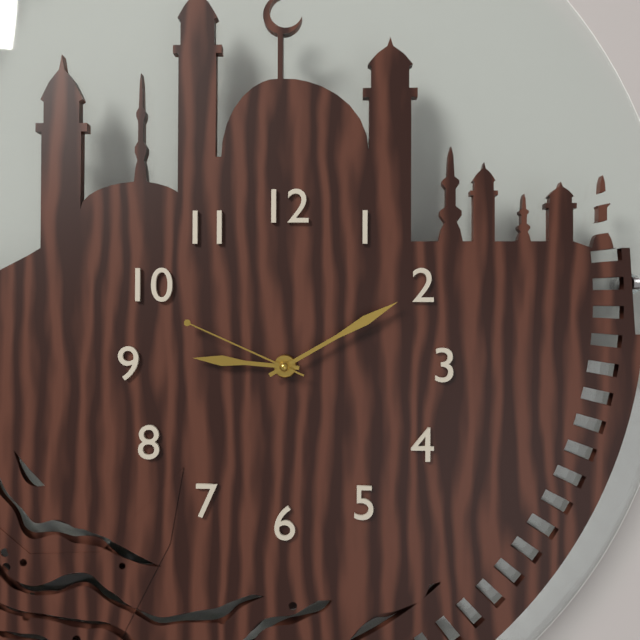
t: 9:10:49
